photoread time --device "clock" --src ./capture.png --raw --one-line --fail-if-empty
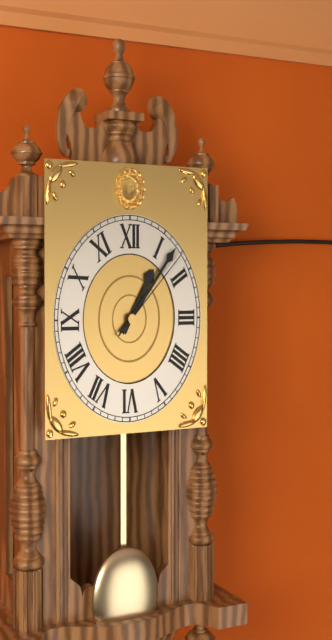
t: 1:07:08
